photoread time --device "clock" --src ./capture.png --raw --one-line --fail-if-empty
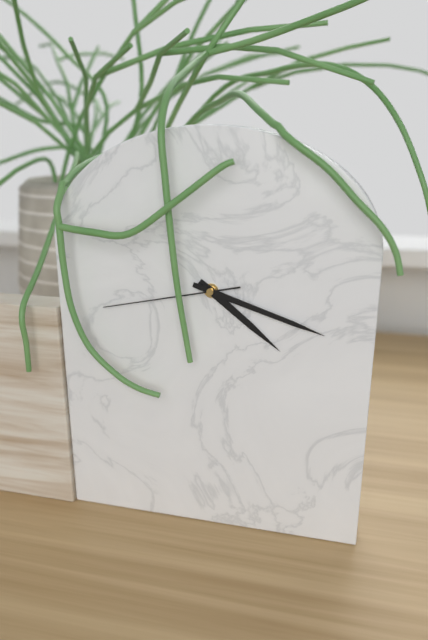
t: 4:18:43
